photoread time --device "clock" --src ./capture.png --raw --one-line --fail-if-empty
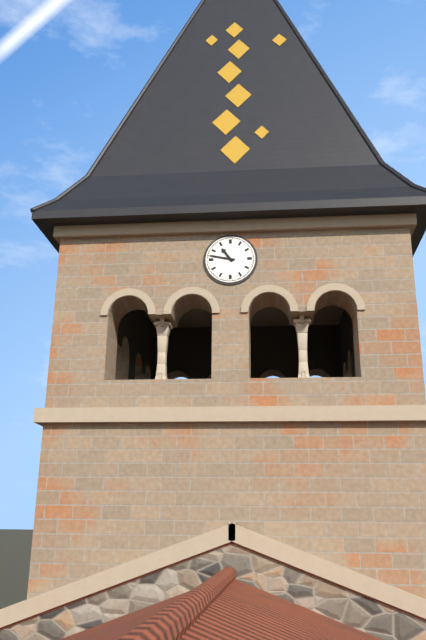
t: 10:47
